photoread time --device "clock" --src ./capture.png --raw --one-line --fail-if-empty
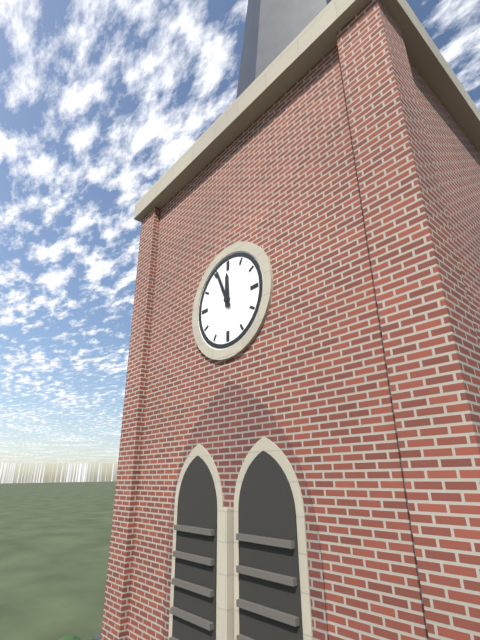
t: 11:56
